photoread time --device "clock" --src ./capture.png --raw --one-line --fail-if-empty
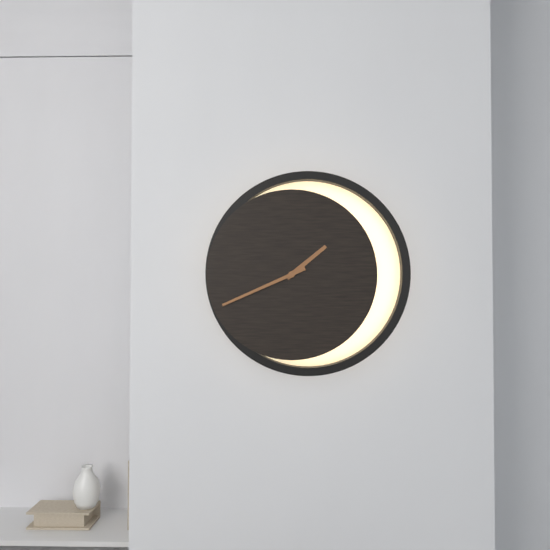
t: 1:41
